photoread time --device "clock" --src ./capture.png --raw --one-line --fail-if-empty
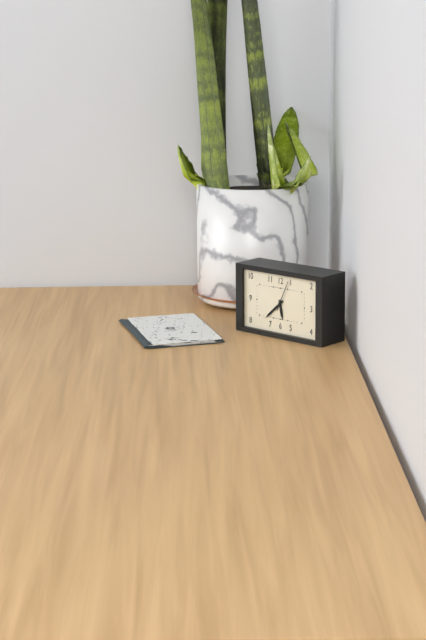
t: 5:38
